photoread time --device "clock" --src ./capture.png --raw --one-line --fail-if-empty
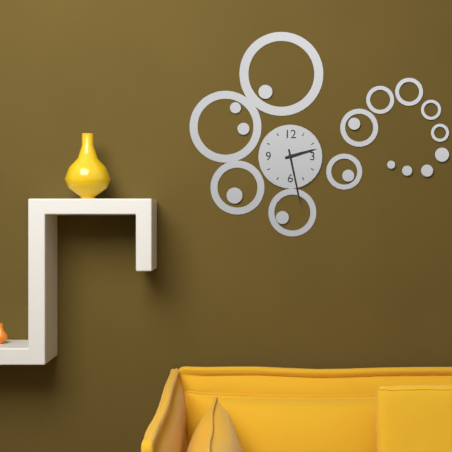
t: 2:28
